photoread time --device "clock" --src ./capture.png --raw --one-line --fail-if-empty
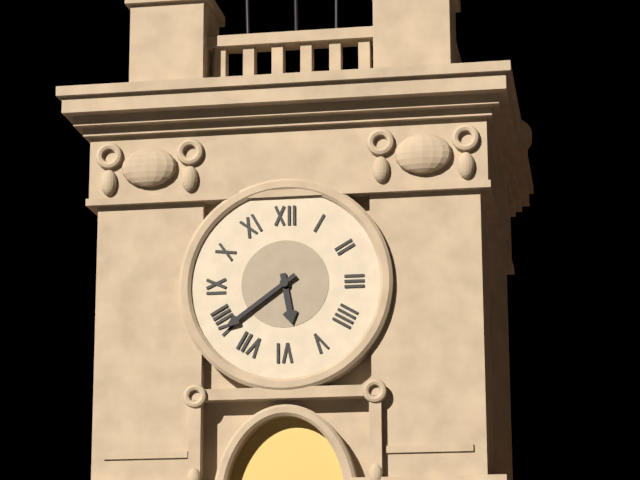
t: 5:39
